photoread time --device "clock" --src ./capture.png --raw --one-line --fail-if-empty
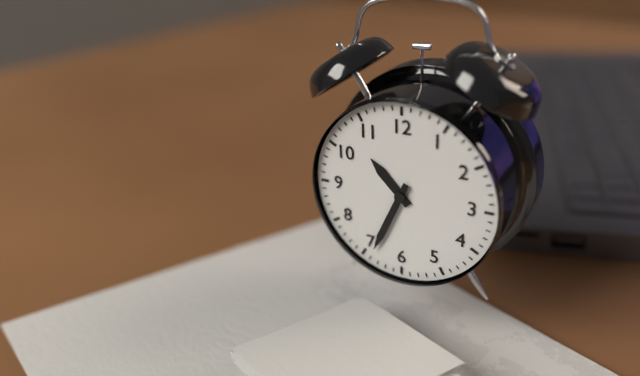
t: 10:34
